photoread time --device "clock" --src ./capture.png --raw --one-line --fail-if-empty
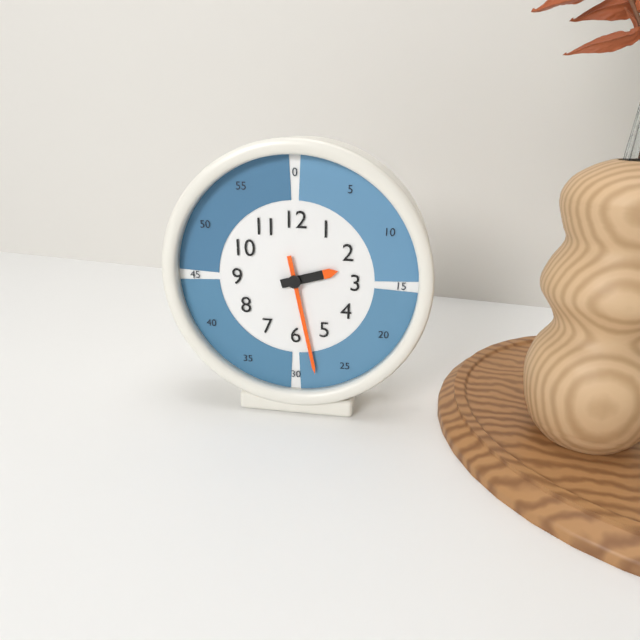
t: 2:28
